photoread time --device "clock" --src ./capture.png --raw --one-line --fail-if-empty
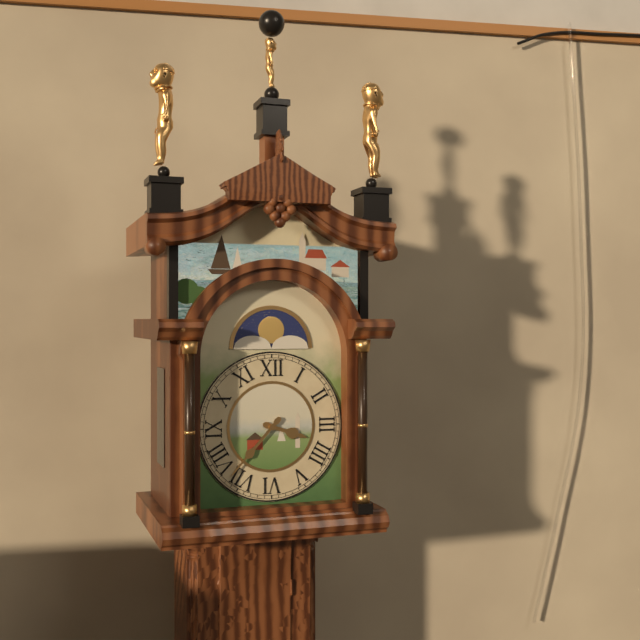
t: 3:37
